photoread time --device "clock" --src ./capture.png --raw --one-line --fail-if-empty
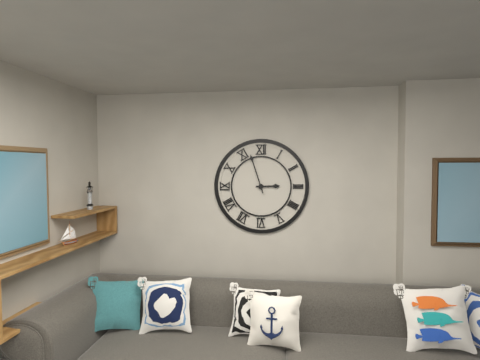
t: 2:57
